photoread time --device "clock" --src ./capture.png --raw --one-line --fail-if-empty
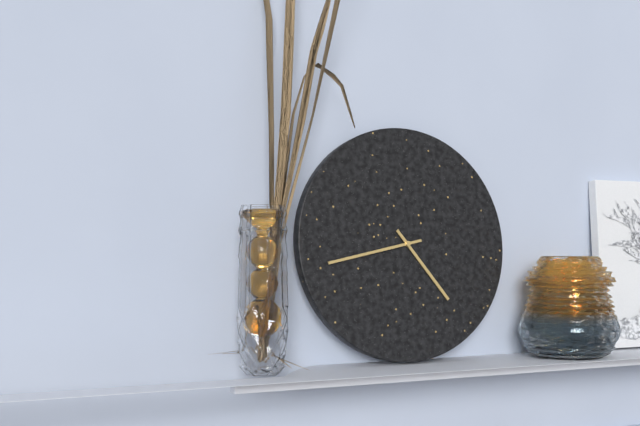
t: 4:43
